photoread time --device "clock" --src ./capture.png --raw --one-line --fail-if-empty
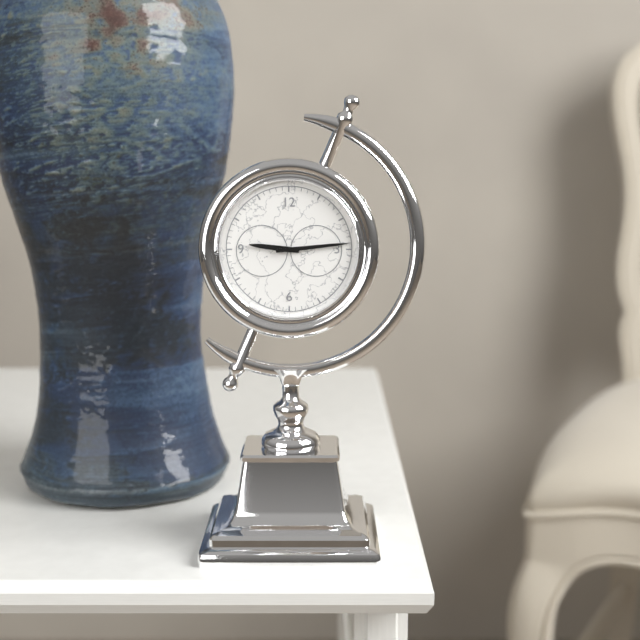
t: 9:14
